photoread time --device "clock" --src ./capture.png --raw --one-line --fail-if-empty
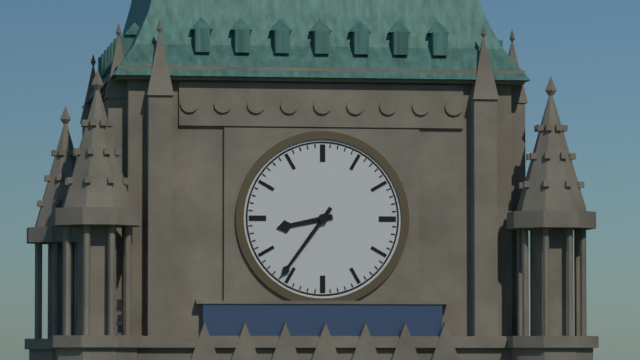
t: 8:36
